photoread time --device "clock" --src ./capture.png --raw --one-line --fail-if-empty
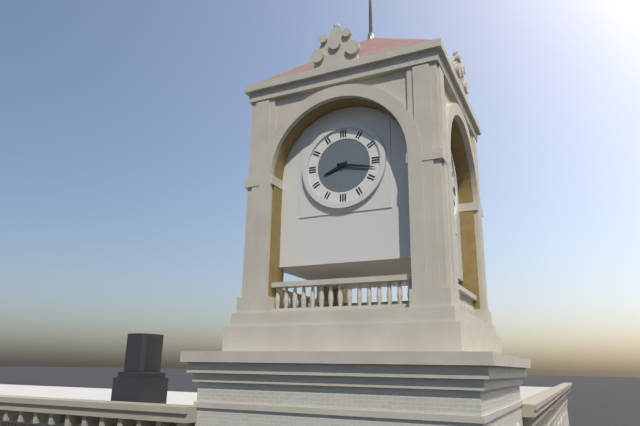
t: 8:17
